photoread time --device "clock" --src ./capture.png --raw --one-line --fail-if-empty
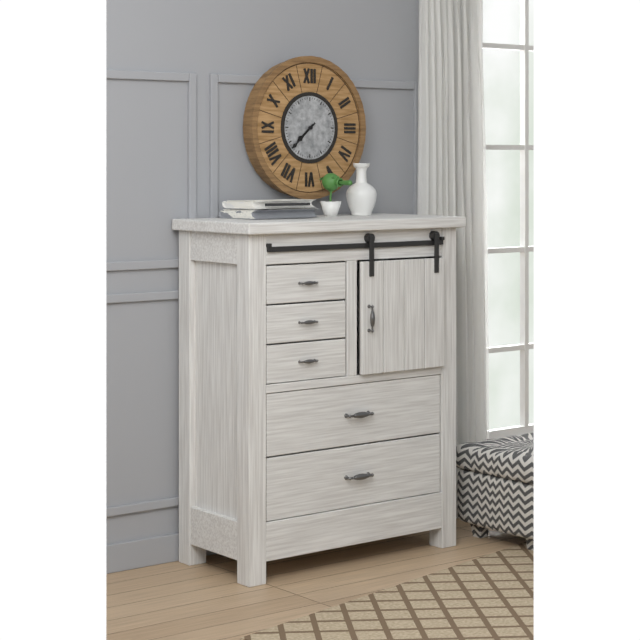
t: 7:38
